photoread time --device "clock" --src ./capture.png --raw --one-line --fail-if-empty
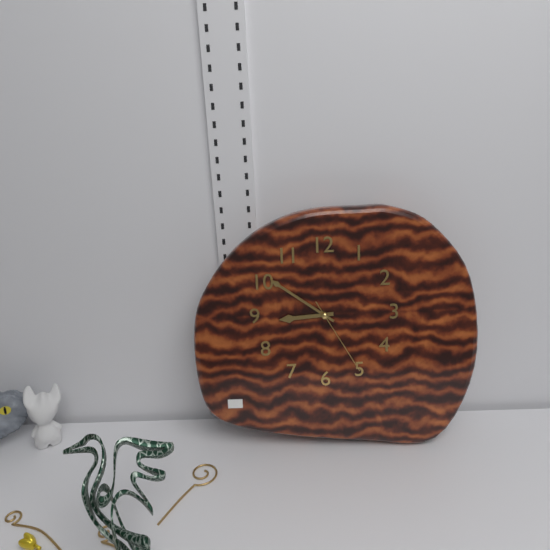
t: 8:51:25
